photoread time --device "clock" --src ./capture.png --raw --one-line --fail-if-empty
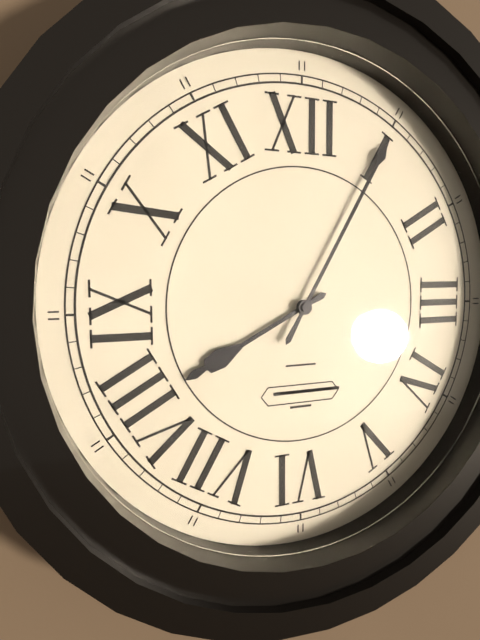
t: 8:05
